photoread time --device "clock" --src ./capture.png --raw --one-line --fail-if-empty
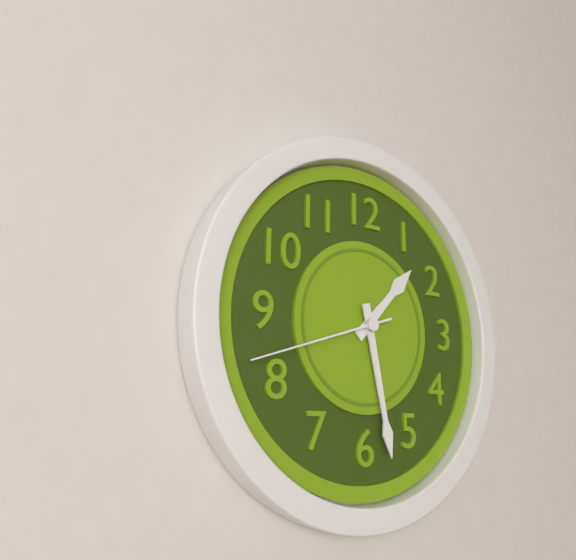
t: 1:28:42
